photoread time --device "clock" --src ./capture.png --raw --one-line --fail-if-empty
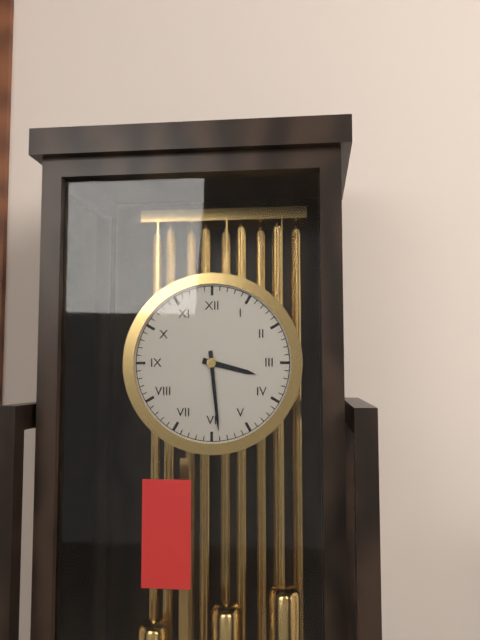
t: 3:29
